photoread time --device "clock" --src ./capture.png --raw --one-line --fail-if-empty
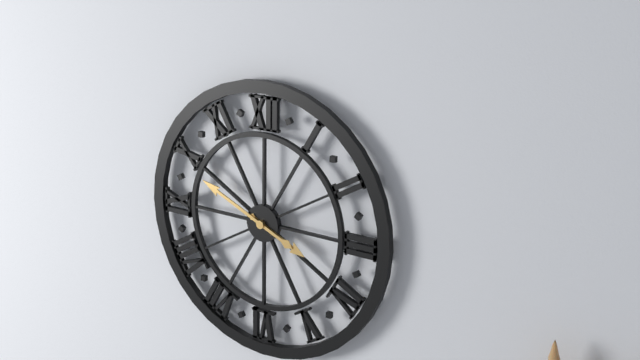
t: 3:49
